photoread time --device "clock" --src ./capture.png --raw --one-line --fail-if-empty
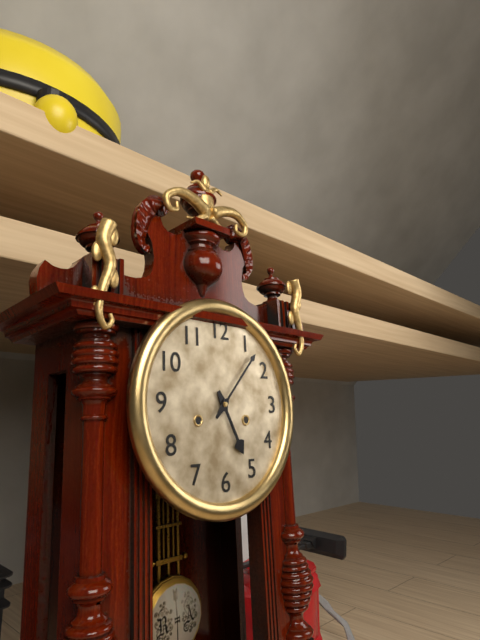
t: 5:07
